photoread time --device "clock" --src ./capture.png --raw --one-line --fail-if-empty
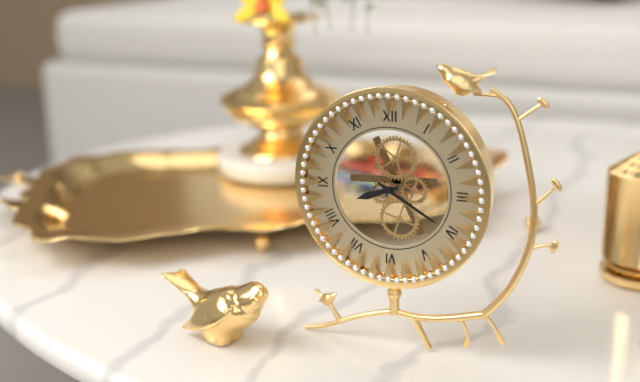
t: 8:20
